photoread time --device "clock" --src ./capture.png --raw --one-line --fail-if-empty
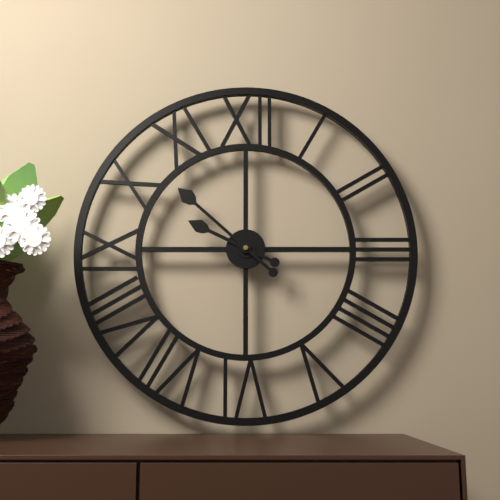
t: 9:52
